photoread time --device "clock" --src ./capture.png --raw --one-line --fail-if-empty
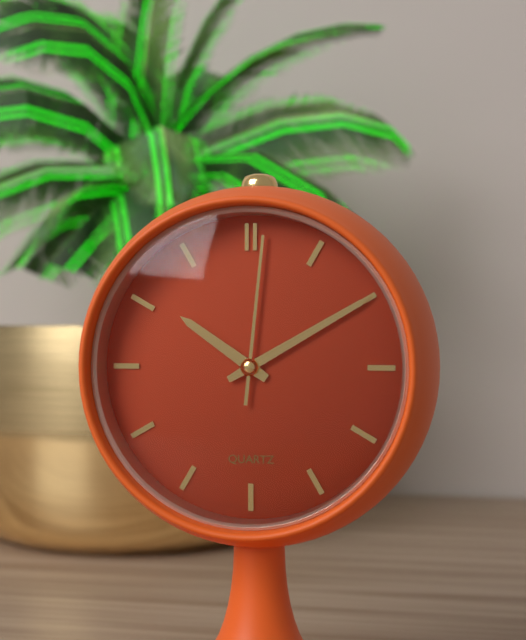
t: 10:10:01
